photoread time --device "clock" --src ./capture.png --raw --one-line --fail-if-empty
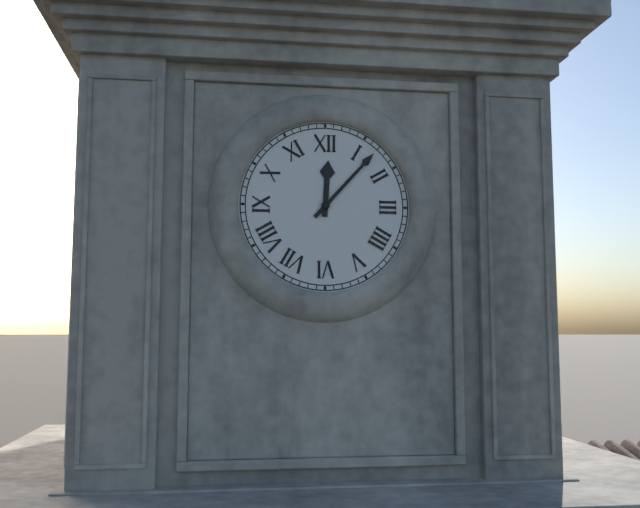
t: 12:07
